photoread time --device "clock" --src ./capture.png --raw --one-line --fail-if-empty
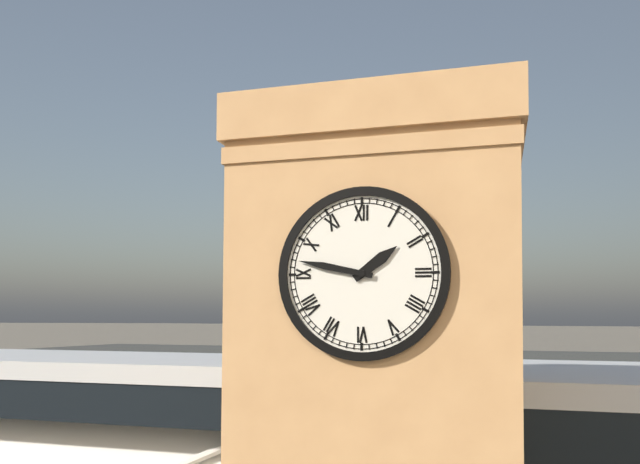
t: 1:47
